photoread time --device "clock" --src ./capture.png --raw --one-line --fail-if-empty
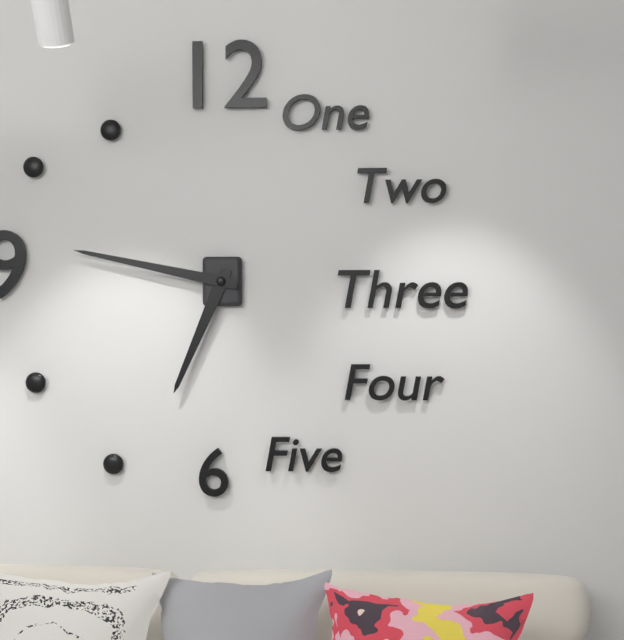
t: 6:47
